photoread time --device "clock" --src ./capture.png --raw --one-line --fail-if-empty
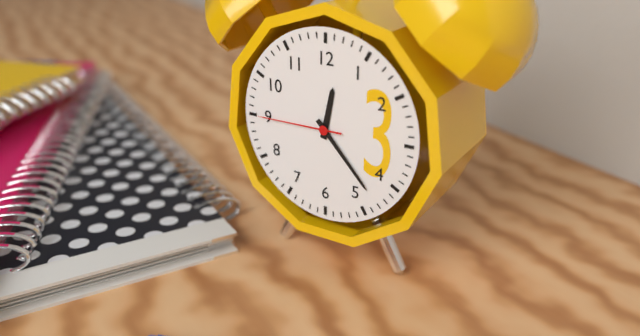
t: 12:23:45
